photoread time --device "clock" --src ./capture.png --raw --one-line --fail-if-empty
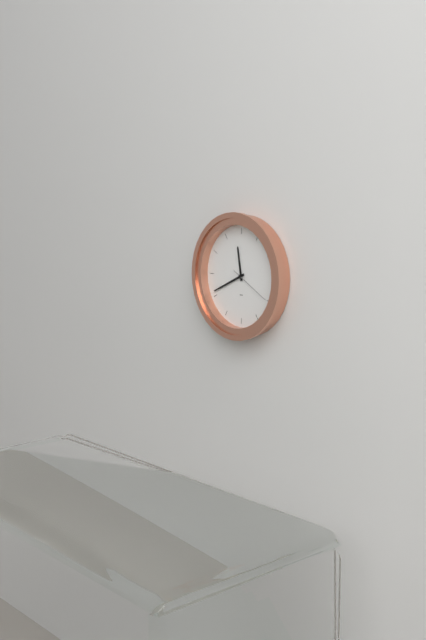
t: 11:41
